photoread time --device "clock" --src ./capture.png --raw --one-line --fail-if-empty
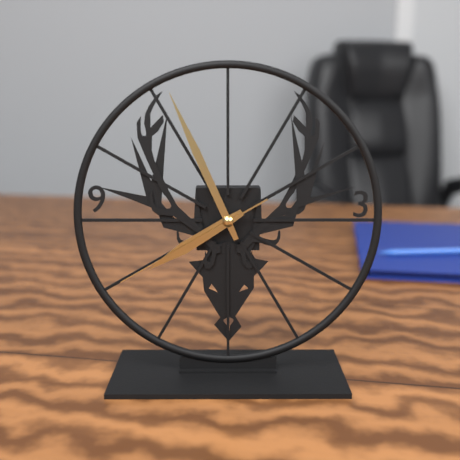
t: 7:56:40
